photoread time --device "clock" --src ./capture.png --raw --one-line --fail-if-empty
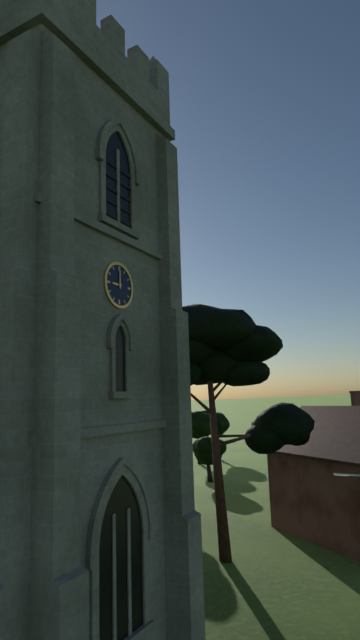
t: 9:00
